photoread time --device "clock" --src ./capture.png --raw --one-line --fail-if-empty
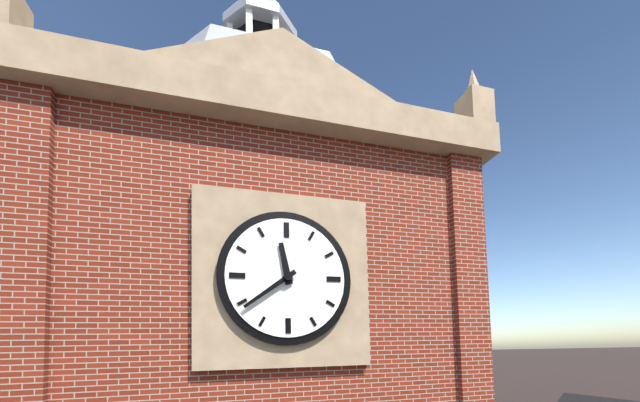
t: 11:39
